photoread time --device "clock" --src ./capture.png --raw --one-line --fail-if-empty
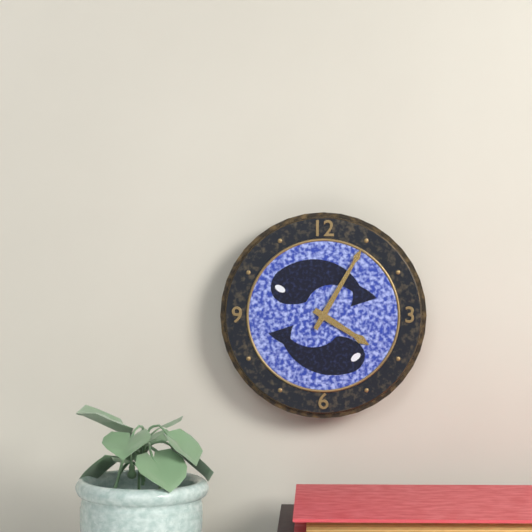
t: 4:05
